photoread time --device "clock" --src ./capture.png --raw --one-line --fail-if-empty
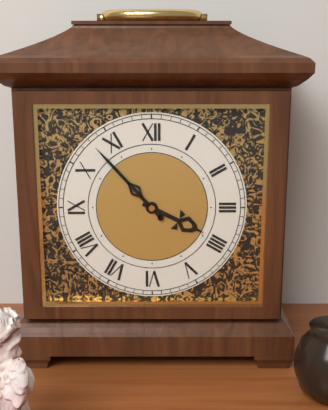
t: 3:53
